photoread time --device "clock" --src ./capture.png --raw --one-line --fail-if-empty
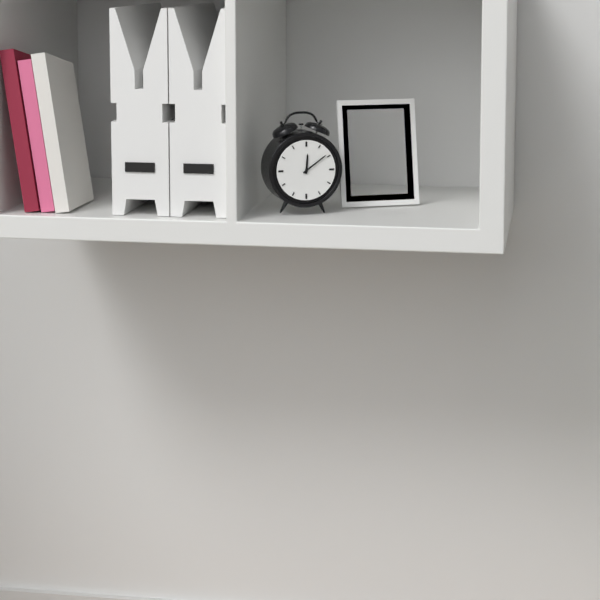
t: 12:09
